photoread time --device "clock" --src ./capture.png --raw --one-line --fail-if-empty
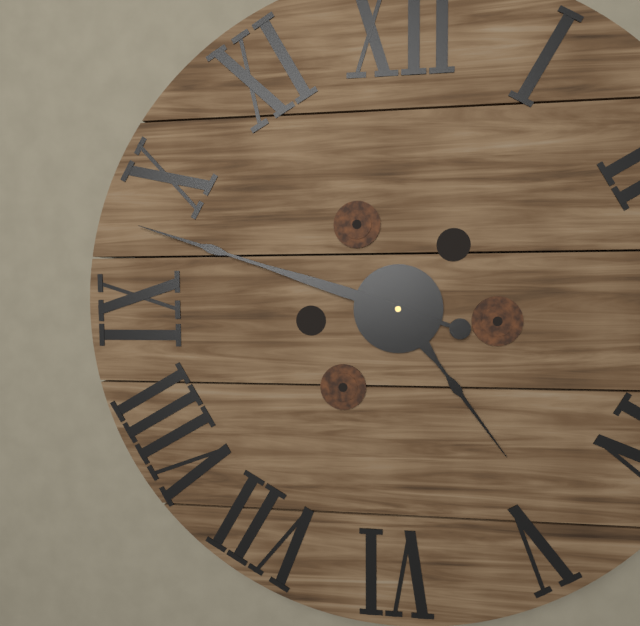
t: 4:48
